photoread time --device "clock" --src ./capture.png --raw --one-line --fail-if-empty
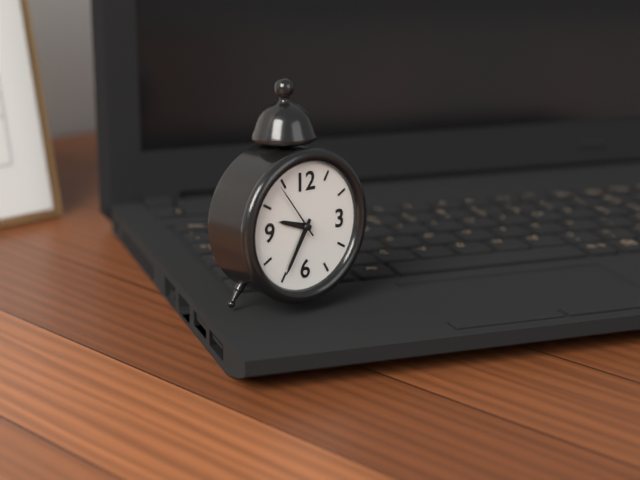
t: 9:35:54
